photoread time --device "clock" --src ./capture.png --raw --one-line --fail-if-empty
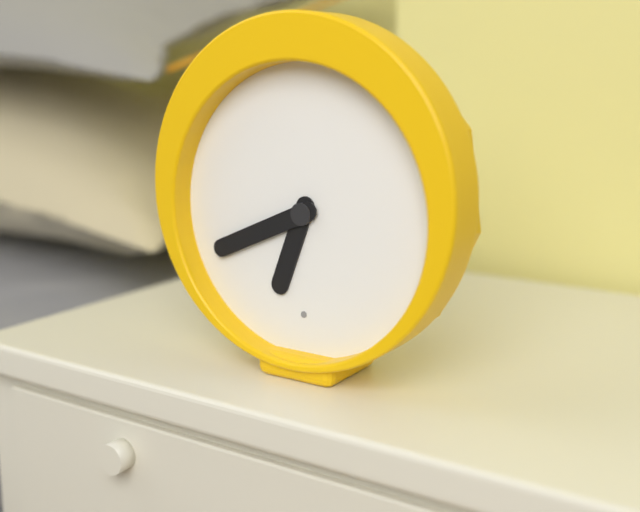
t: 6:41
